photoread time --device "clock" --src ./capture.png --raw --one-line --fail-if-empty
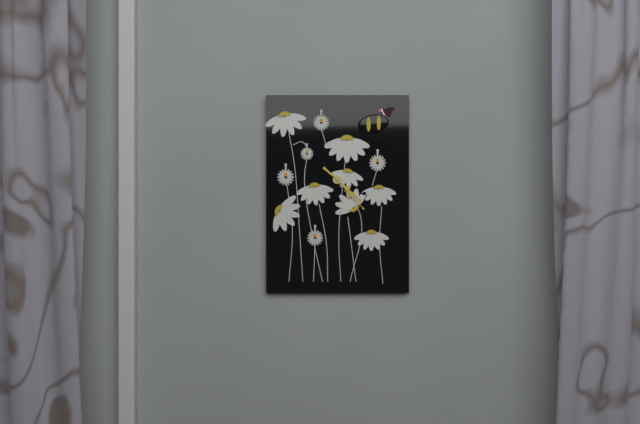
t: 4:23
